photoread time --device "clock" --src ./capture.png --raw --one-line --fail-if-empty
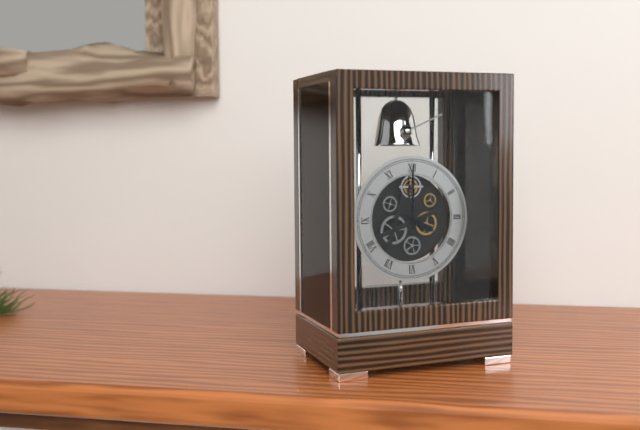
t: 4:00
